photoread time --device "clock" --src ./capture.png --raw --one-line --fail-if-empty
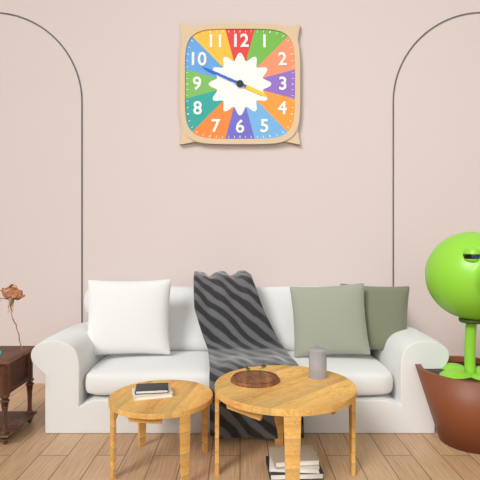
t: 3:49
